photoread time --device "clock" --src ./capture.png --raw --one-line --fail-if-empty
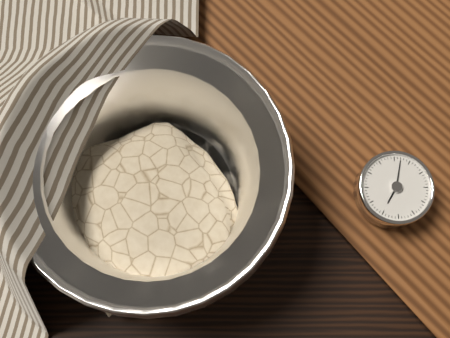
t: 7:02
